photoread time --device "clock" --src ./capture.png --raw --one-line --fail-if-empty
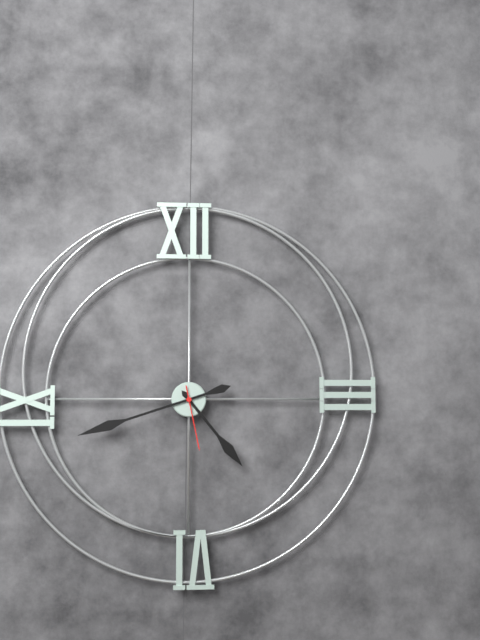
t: 4:42:28
